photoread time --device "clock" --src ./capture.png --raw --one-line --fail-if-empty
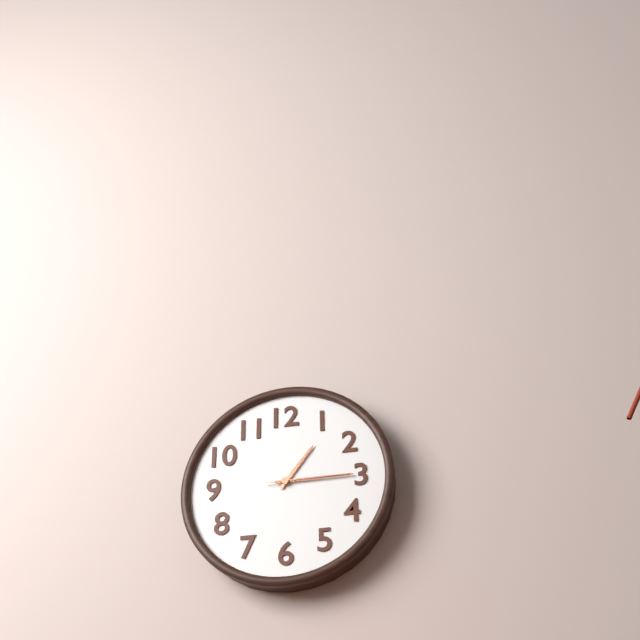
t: 1:15:15
